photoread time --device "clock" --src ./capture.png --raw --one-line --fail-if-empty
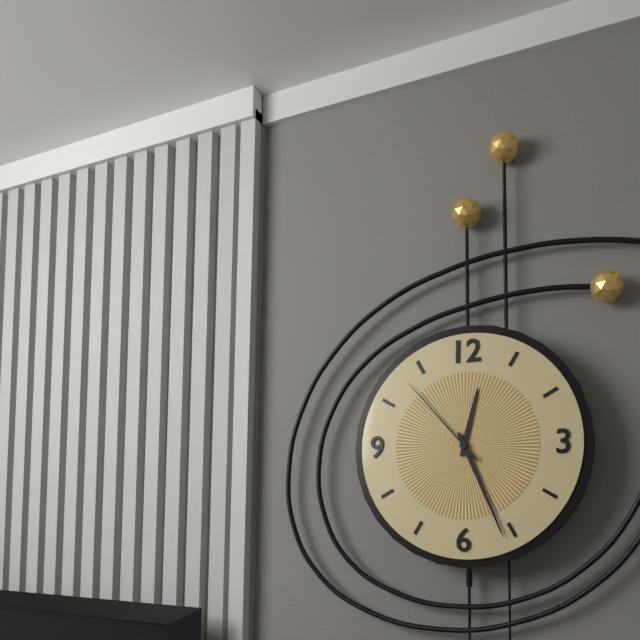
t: 12:26:53
